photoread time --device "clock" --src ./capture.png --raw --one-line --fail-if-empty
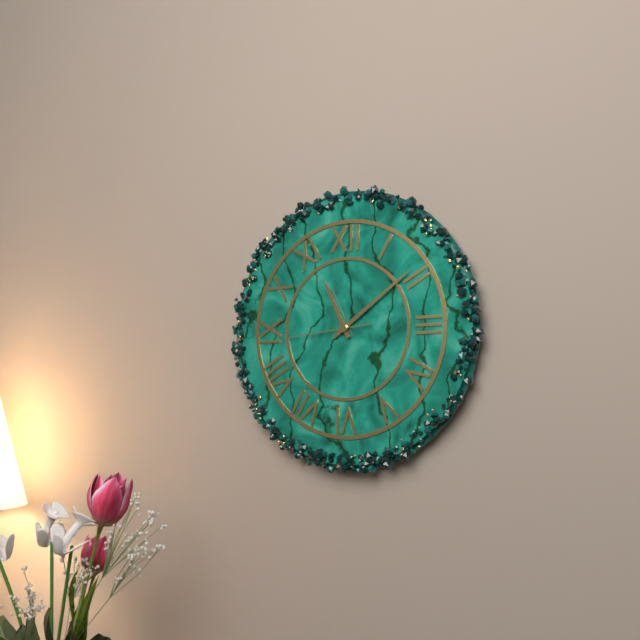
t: 11:09:44
